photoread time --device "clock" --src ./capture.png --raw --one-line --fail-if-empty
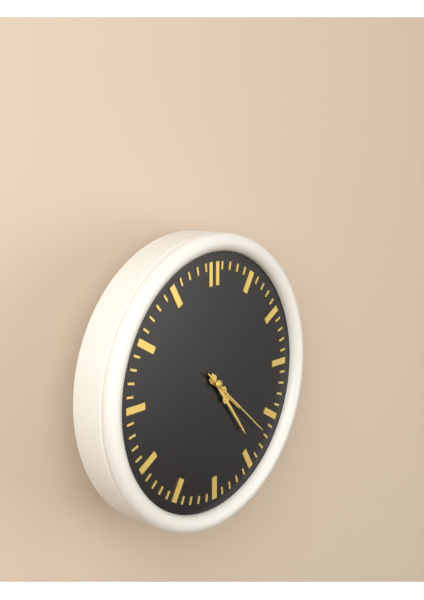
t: 4:24:22
